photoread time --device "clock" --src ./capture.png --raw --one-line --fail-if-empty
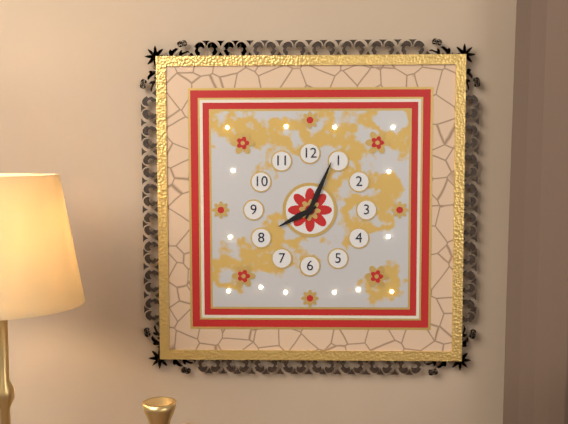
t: 8:04
